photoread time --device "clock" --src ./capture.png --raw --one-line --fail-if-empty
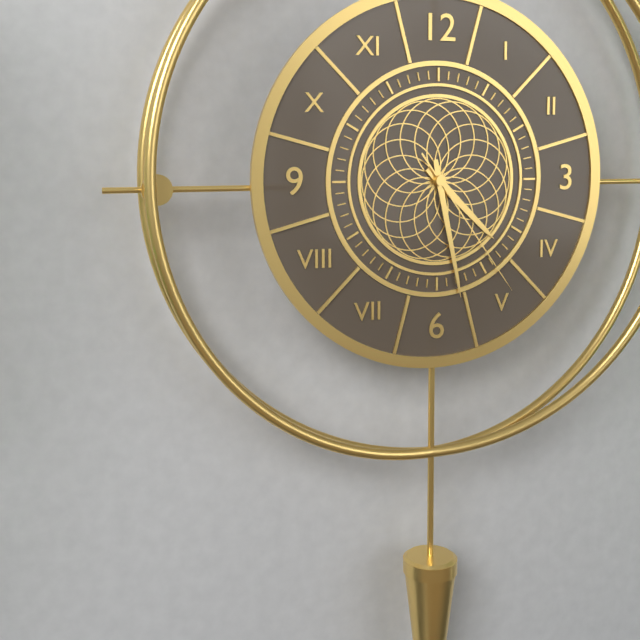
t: 4:28:24
